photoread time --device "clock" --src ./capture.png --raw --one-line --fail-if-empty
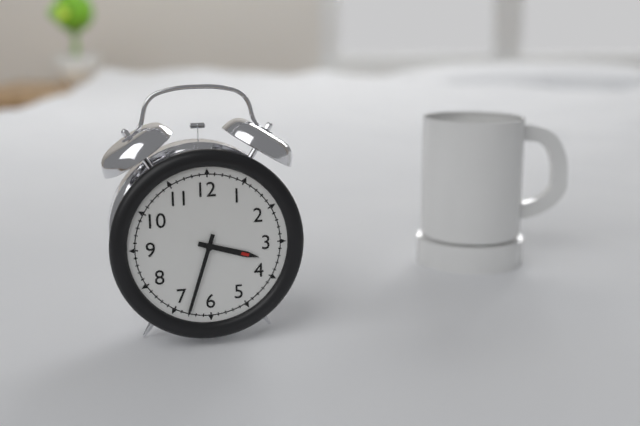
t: 3:33
